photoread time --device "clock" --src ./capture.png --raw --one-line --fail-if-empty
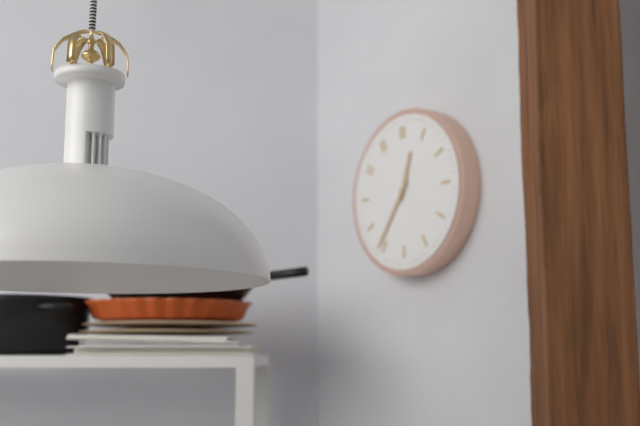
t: 12:36
